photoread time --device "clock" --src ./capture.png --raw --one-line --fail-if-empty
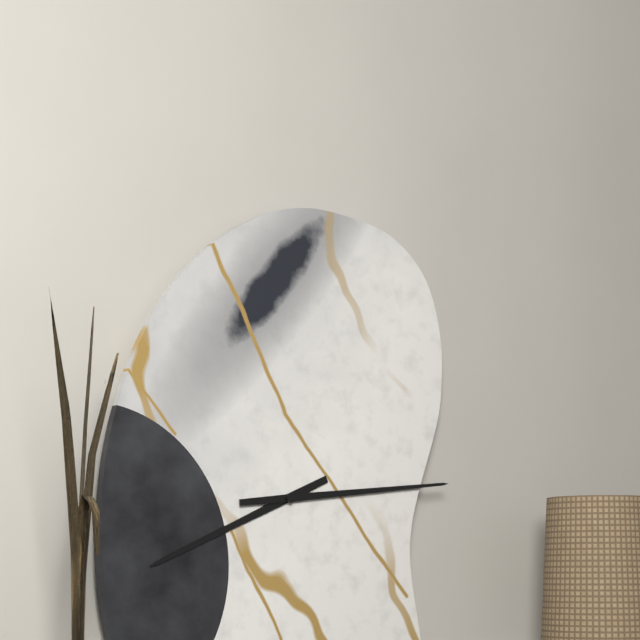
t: 8:14
